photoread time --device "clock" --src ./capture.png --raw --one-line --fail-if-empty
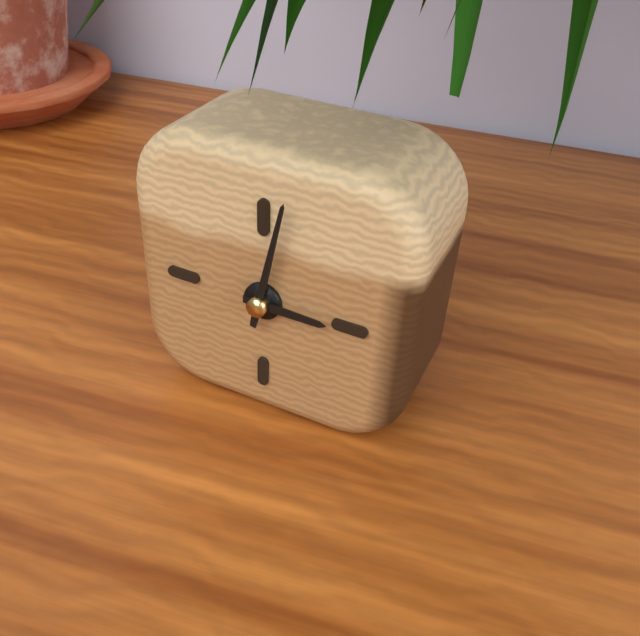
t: 3:02
